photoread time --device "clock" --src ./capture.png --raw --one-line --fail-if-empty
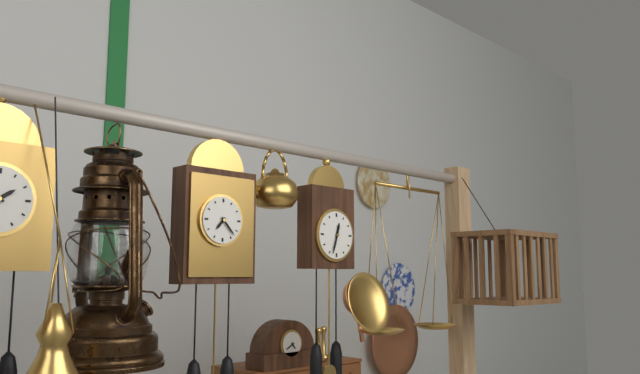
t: 12:33
